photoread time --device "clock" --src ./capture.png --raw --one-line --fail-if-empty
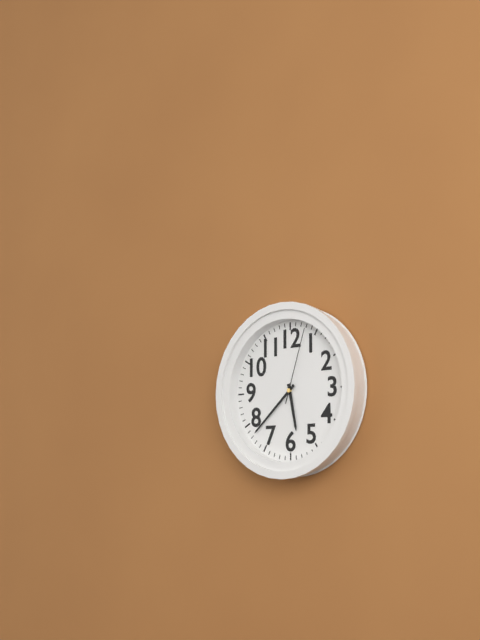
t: 5:38:03
